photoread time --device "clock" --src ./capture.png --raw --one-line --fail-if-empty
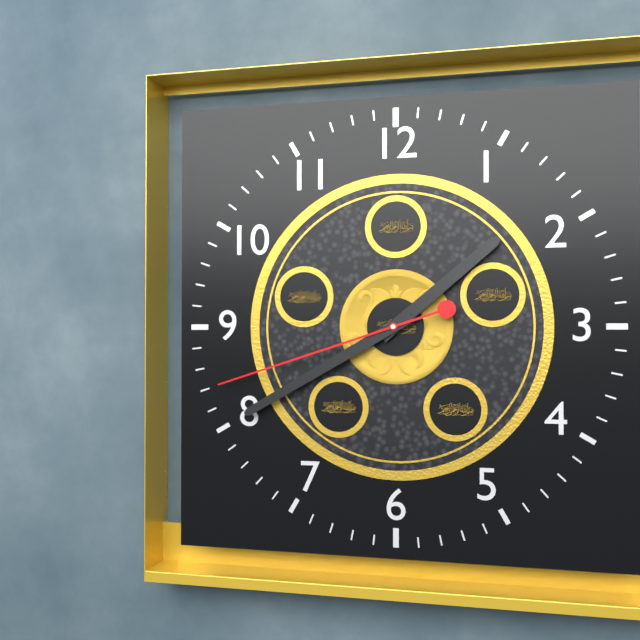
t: 1:40:42
